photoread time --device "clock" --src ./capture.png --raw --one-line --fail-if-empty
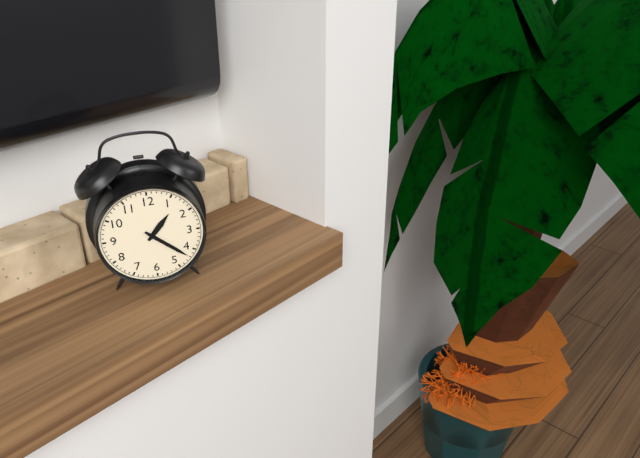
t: 1:22
